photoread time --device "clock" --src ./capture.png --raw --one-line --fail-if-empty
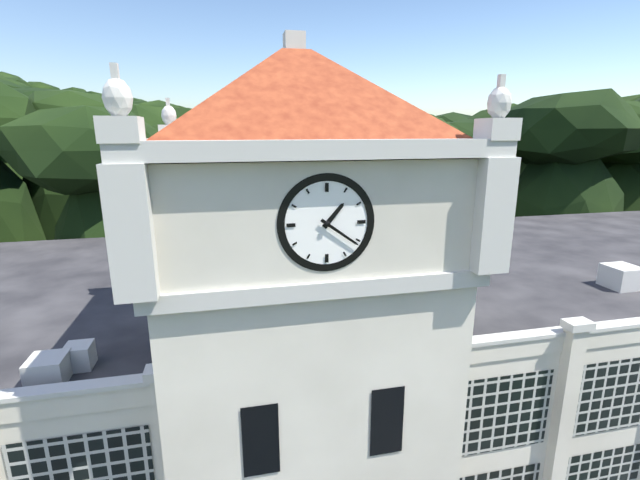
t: 1:21
